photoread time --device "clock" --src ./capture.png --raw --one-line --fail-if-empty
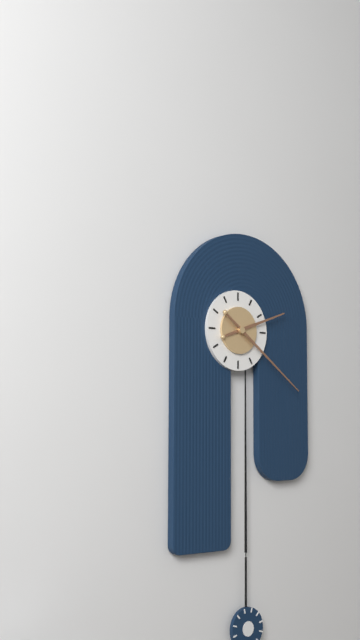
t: 2:21
